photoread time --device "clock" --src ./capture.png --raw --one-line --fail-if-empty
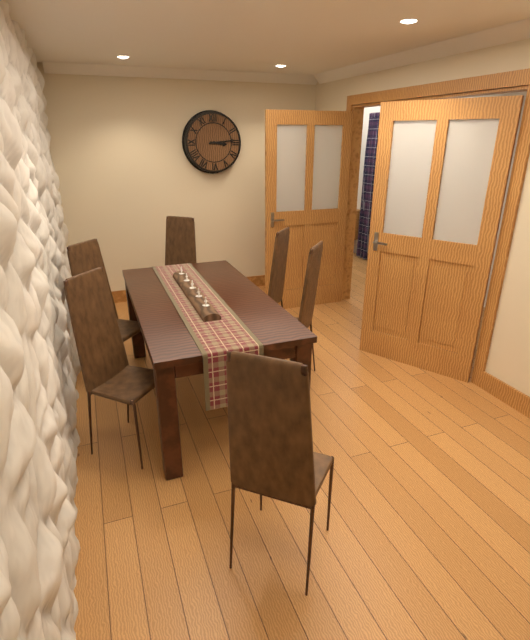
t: 3:14
